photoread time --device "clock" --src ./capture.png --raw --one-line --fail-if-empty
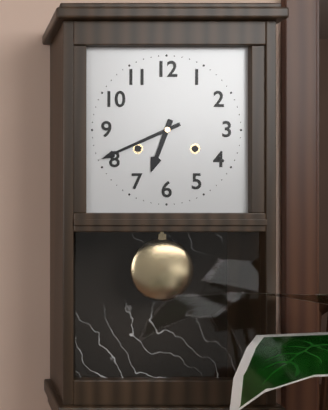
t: 6:41
